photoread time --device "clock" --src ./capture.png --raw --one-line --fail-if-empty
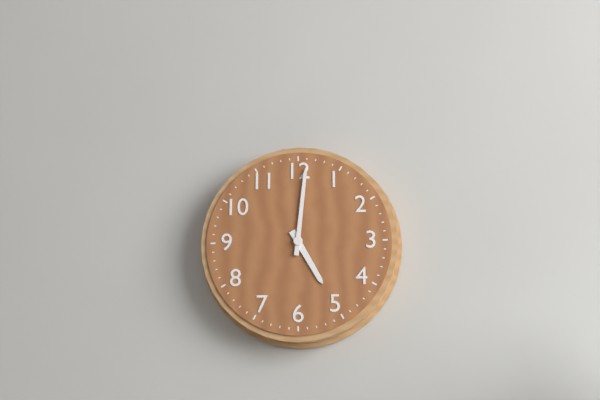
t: 5:01
